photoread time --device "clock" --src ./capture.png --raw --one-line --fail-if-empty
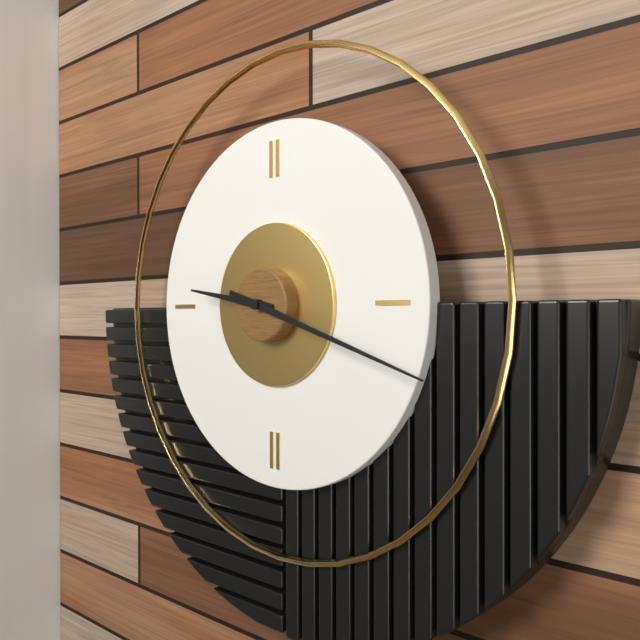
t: 9:18
